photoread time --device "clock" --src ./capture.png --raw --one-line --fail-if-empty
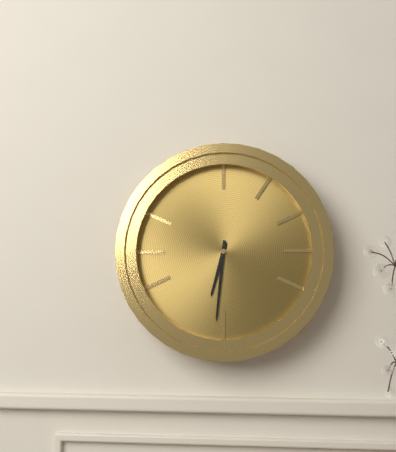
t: 6:31
